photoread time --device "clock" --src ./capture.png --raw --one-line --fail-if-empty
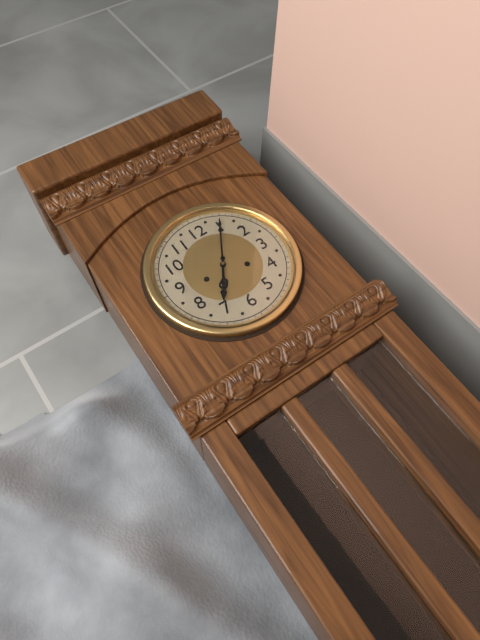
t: 7:05
